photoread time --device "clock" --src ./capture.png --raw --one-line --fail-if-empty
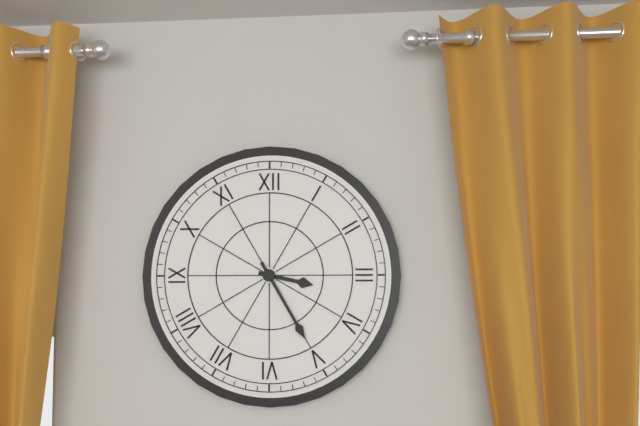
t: 3:25
